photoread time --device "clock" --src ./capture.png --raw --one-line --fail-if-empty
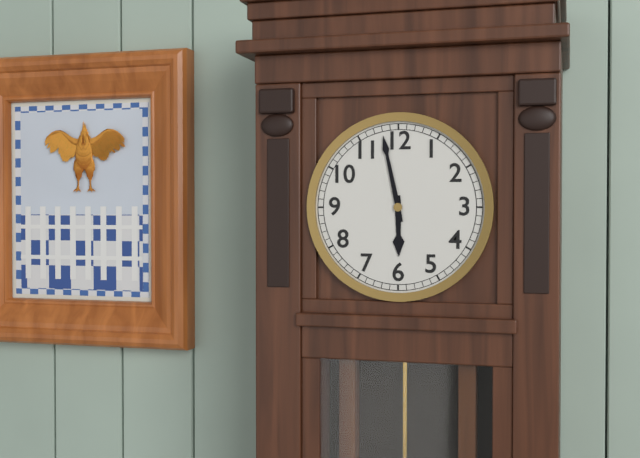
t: 5:58
